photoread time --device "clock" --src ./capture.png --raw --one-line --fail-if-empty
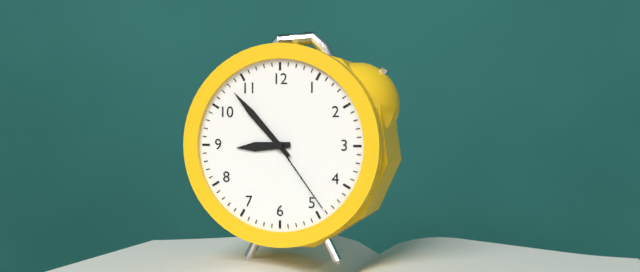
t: 8:53:24
